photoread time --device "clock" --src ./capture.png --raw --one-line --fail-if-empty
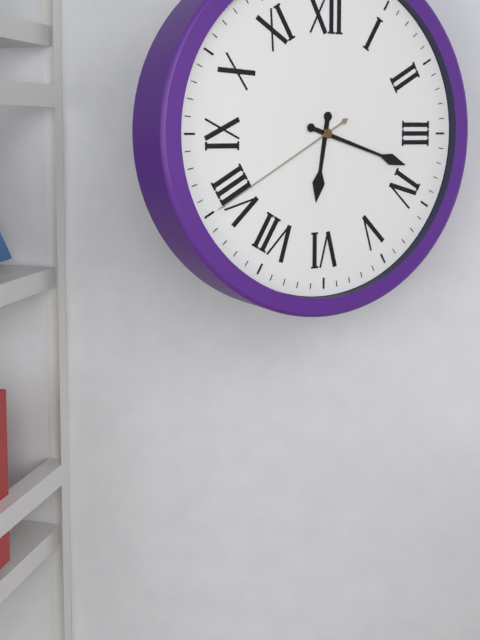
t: 6:18:40
